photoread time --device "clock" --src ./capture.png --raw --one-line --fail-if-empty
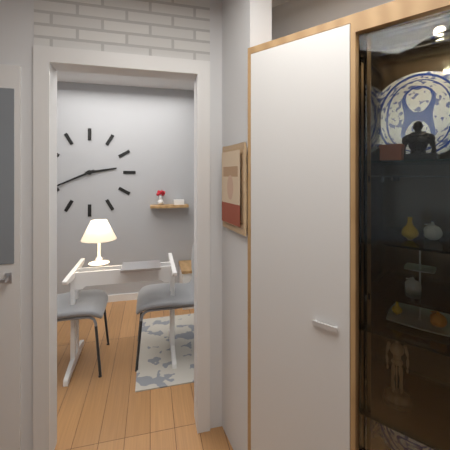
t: 2:41
